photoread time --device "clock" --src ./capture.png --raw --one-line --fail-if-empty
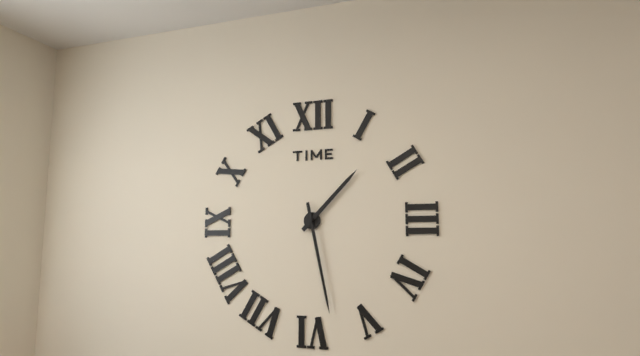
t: 1:28
